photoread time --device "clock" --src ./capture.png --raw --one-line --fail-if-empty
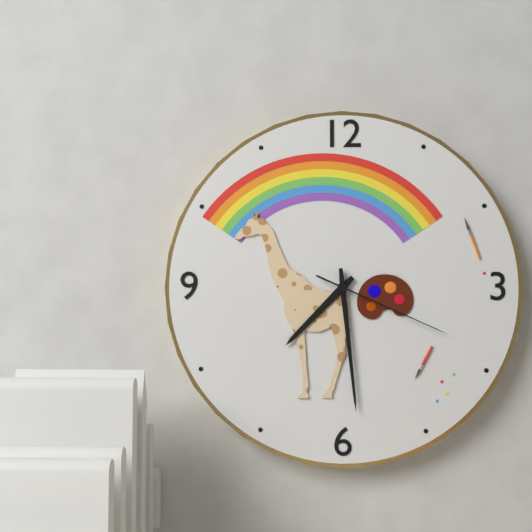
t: 7:29:19
